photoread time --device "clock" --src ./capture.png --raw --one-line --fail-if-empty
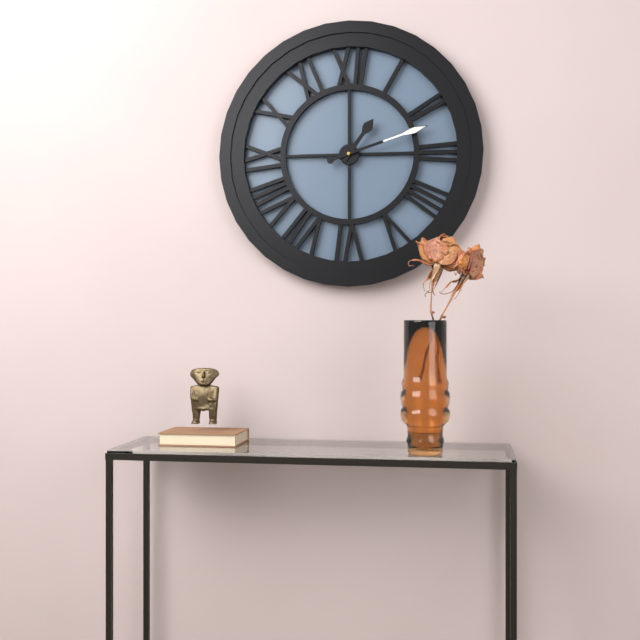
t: 1:12
